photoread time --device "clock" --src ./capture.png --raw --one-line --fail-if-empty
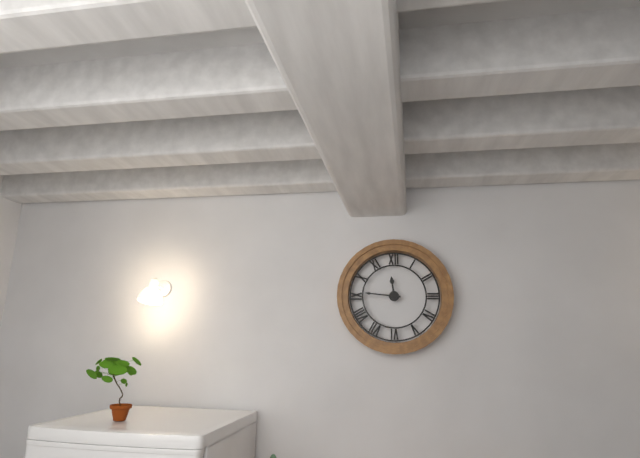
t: 11:46
